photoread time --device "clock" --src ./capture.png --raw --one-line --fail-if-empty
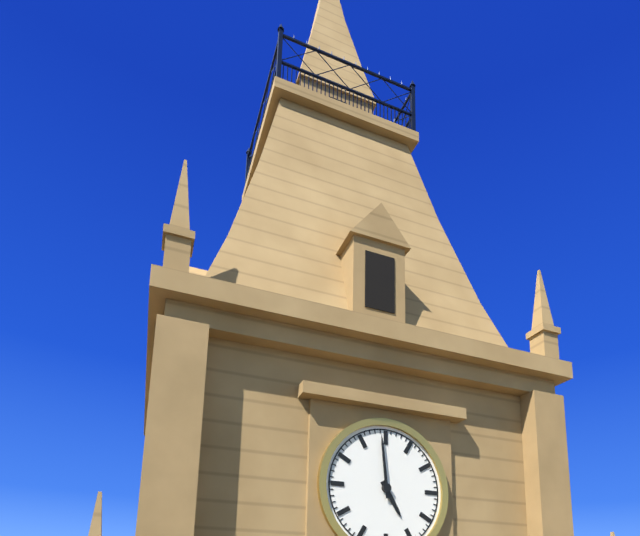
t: 4:59
